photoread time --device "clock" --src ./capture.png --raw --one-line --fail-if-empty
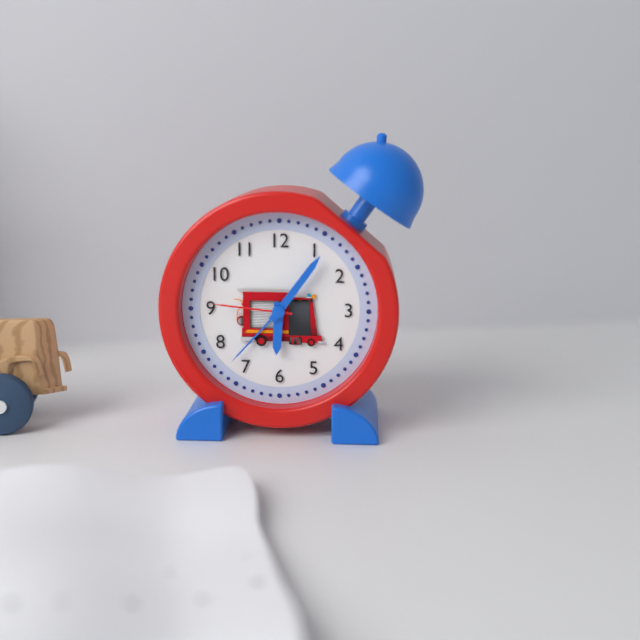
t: 6:06:46
